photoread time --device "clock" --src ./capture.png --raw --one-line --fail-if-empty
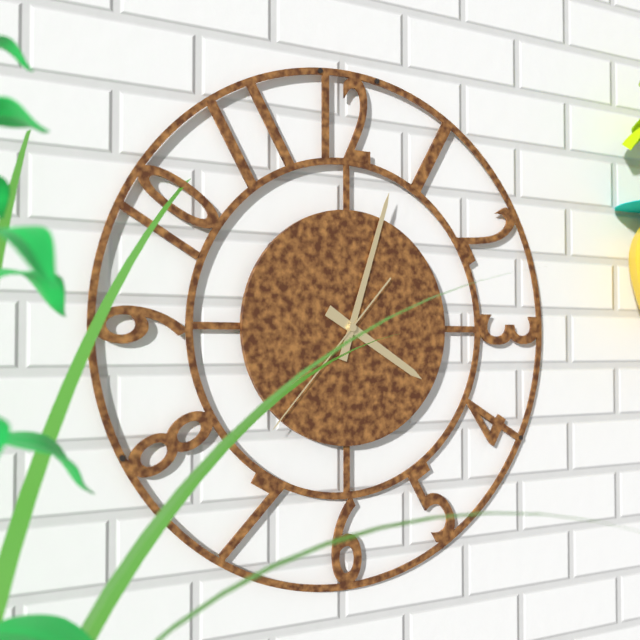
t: 4:03:37
